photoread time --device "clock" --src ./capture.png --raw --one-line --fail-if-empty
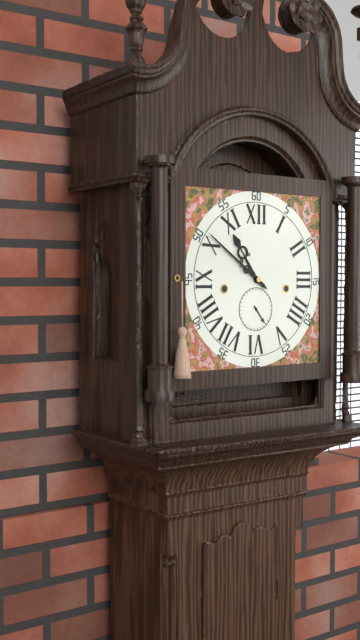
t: 10:51
